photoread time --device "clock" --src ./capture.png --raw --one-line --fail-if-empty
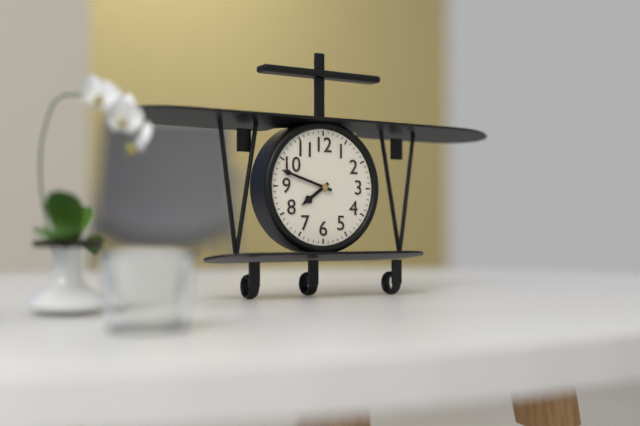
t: 7:48
